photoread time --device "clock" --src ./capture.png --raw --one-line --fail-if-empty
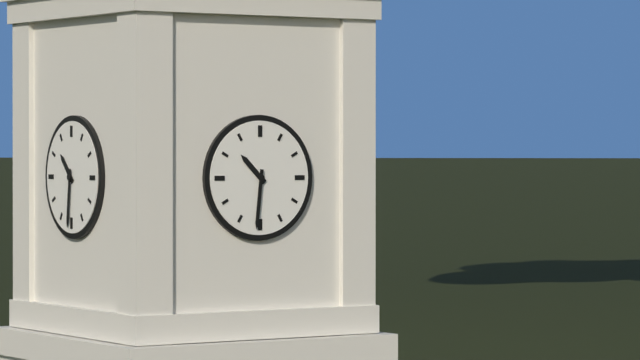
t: 10:31
